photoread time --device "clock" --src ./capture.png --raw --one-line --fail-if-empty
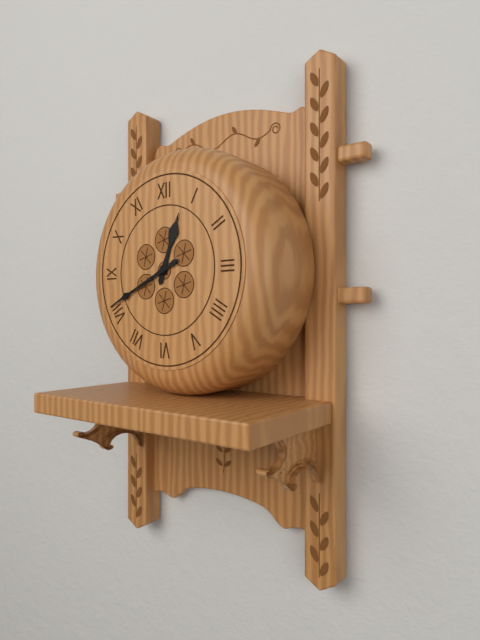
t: 12:41
